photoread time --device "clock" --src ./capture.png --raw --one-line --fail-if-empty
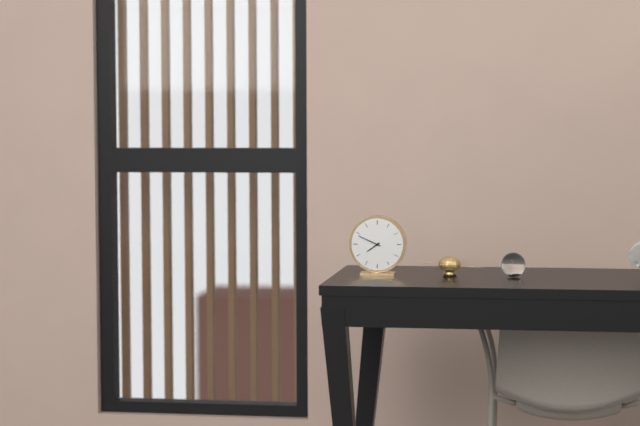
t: 7:49
